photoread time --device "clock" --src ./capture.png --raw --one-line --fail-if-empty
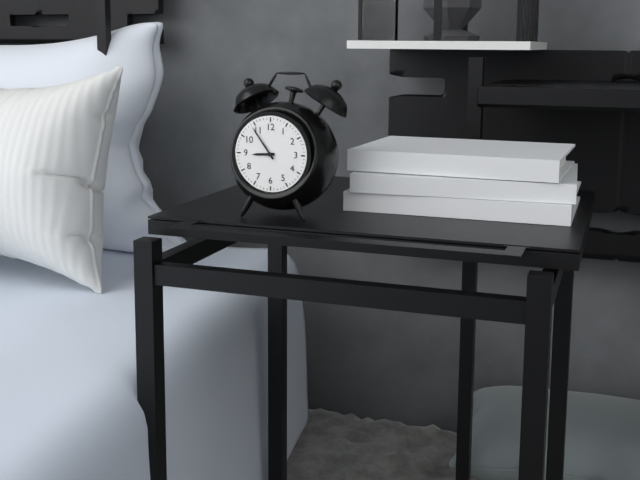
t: 8:54
